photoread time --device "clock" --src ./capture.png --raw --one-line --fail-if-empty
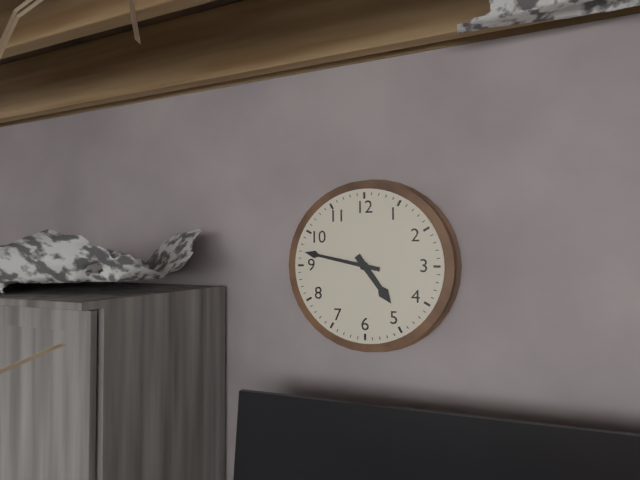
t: 4:47
